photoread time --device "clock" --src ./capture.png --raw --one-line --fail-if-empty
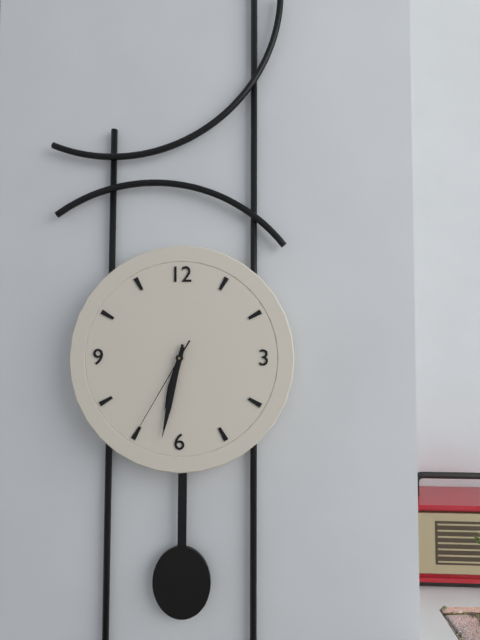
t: 6:32:35
